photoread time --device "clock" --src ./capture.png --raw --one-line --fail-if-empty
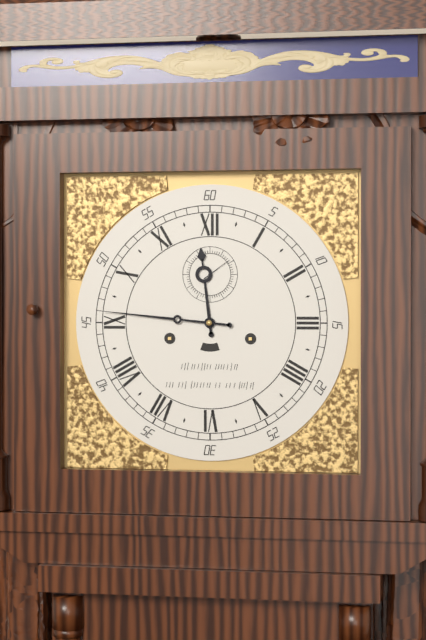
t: 11:46
